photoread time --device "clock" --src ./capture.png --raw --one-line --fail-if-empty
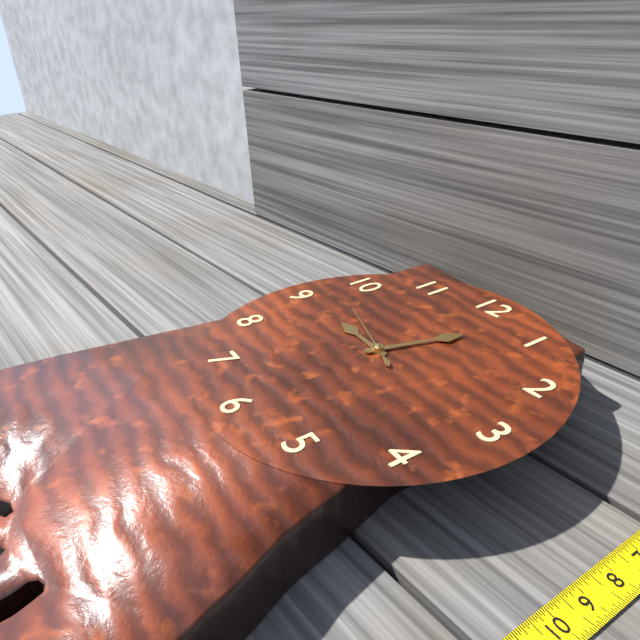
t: 9:03:48
